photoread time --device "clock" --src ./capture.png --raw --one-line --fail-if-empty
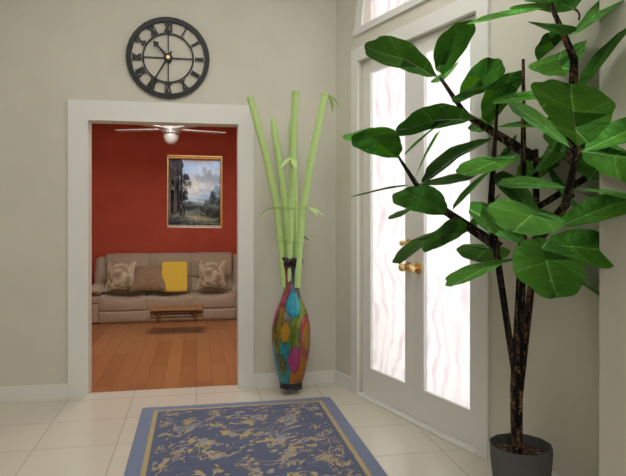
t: 10:35
